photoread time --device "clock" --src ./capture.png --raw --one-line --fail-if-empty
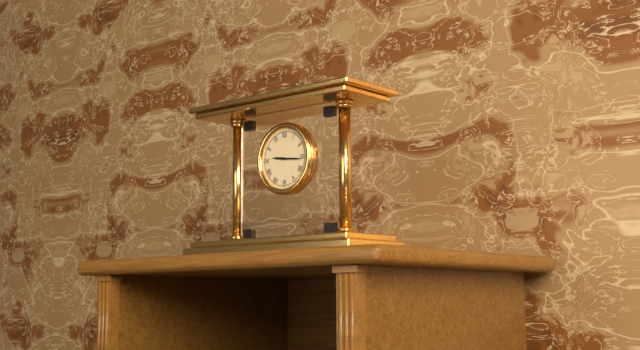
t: 9:16
